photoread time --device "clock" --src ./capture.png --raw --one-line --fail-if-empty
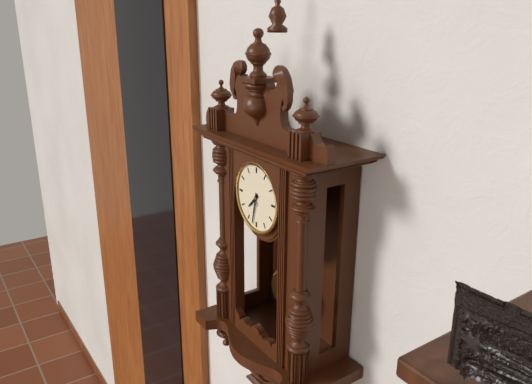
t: 7:32
